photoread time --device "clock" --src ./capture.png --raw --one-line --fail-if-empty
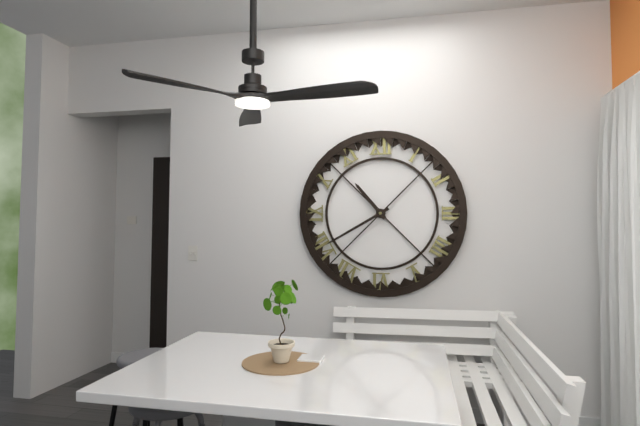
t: 10:40
